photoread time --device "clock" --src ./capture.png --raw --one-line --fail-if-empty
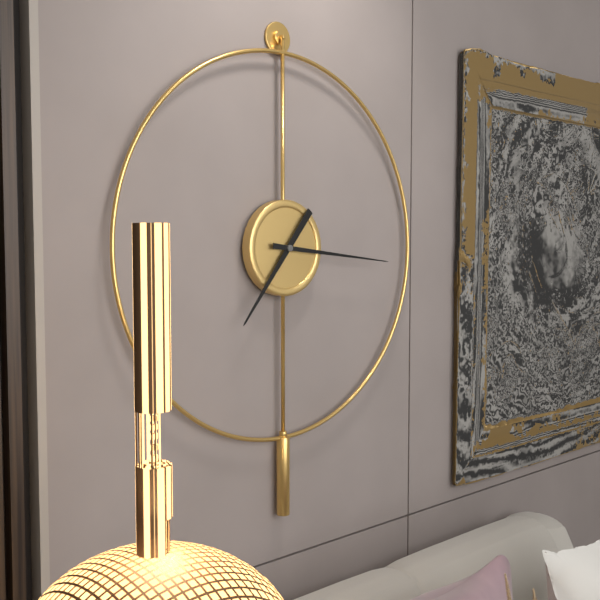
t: 7:16
